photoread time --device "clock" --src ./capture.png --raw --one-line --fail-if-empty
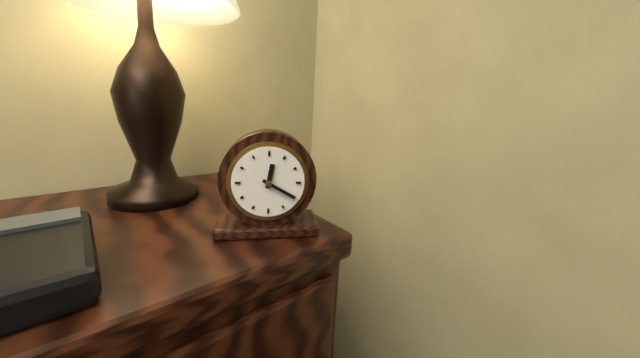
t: 12:20
